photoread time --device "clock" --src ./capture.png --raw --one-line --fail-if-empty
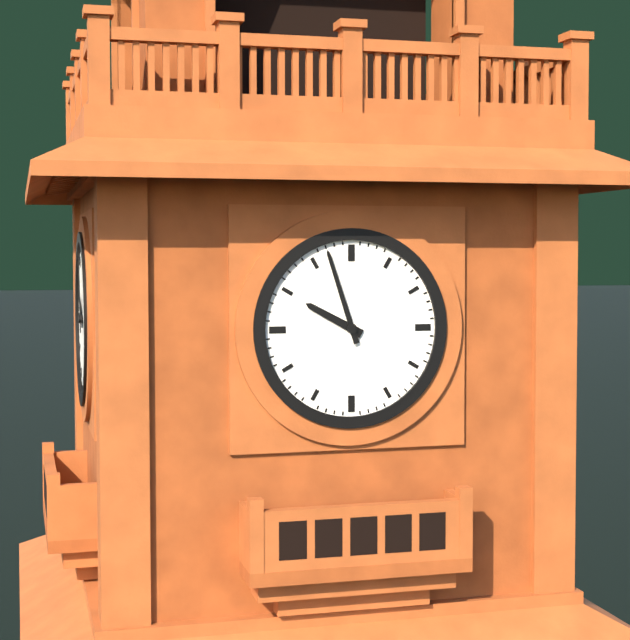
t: 9:57
